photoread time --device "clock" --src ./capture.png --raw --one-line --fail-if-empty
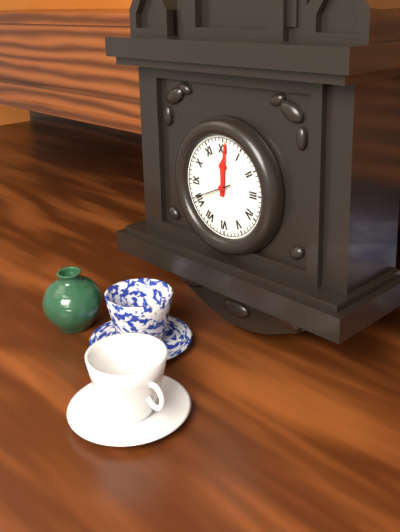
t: 12:01:41
